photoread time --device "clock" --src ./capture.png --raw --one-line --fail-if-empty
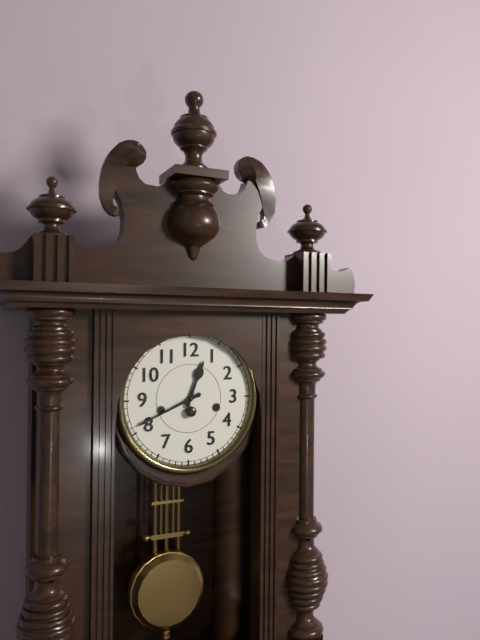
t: 12:41
